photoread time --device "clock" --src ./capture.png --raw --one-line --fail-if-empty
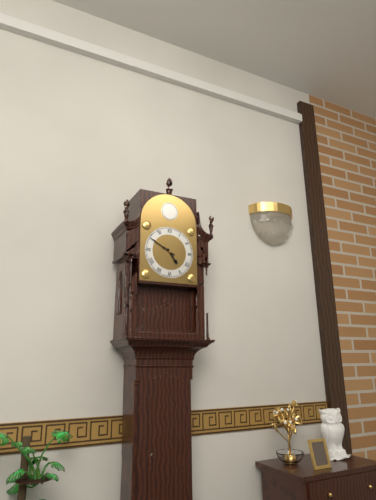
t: 4:50
